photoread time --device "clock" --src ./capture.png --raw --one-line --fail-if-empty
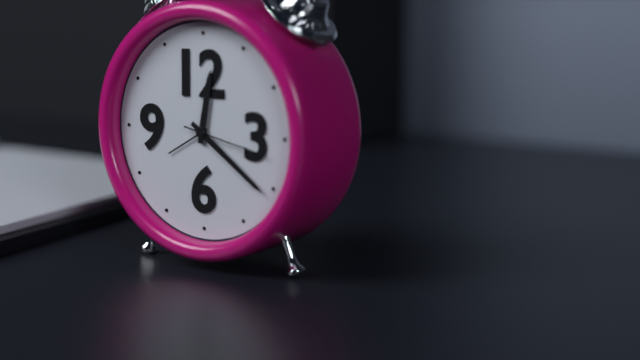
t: 12:21:17
